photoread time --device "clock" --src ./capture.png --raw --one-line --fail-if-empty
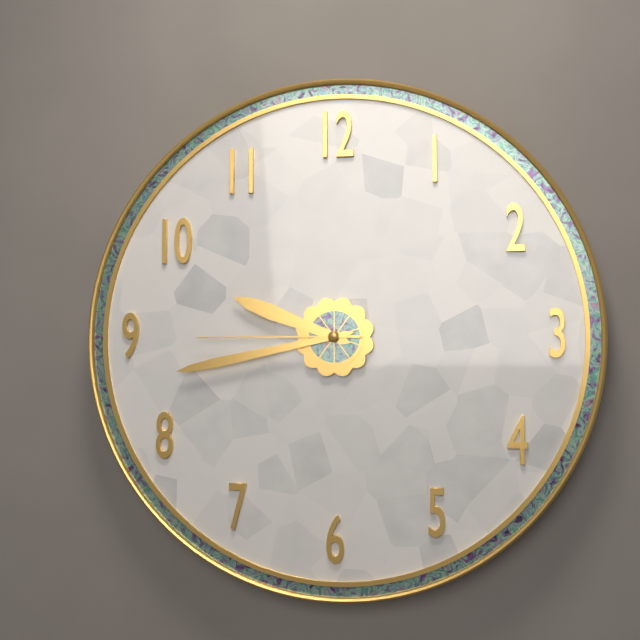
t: 9:43:45
